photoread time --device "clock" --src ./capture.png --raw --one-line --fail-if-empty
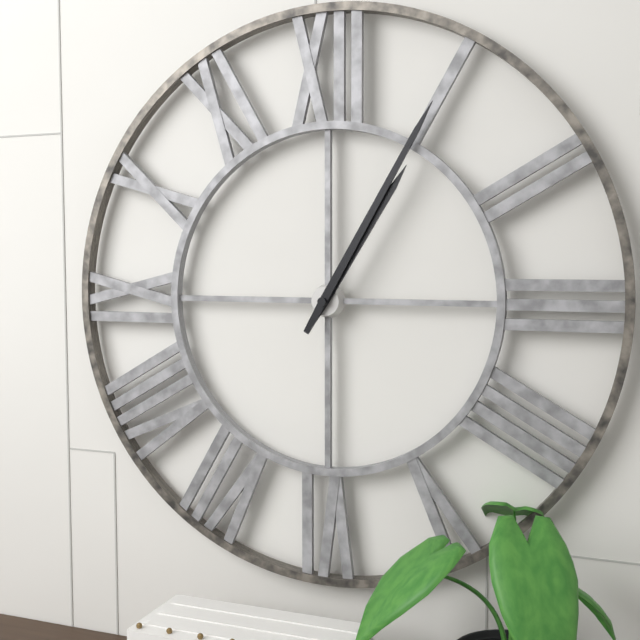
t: 1:05
